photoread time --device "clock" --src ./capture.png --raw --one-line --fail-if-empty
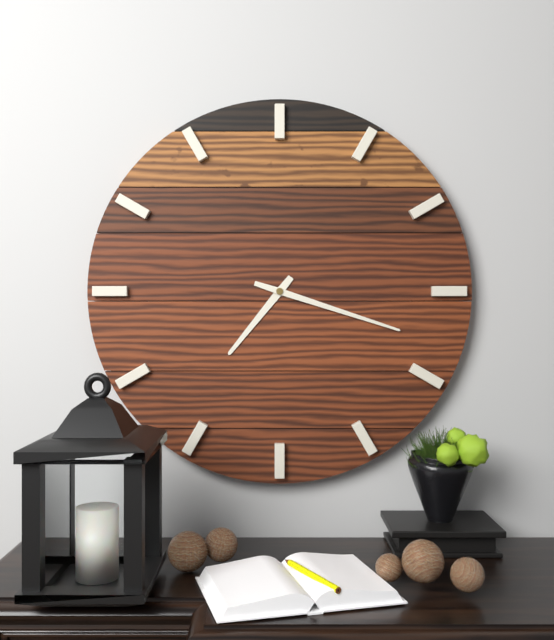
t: 7:18
